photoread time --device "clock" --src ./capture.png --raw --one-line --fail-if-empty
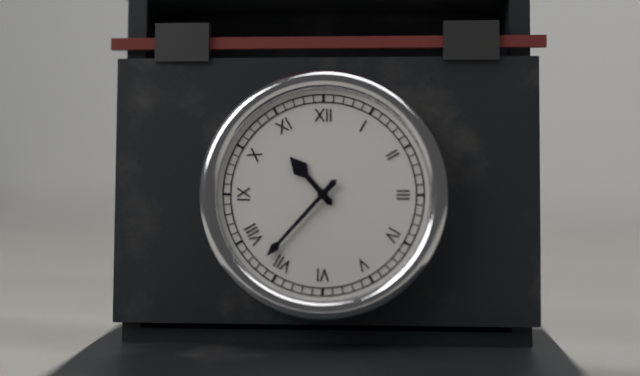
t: 10:37
